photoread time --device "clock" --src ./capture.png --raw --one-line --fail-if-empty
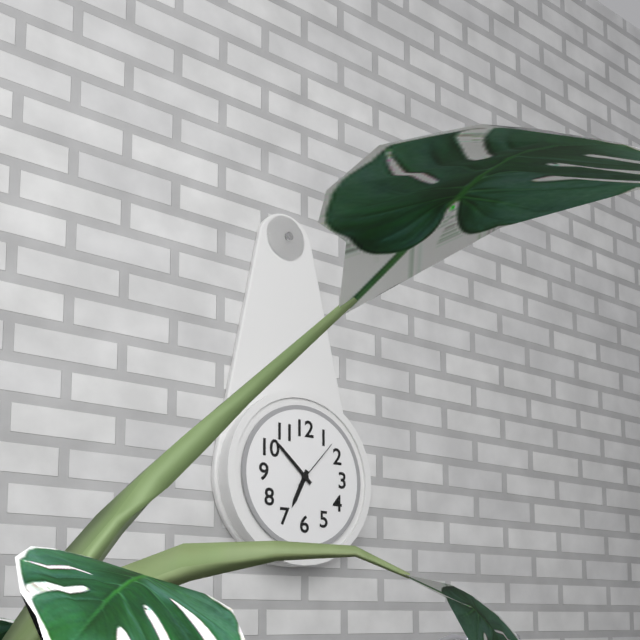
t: 6:52:07
